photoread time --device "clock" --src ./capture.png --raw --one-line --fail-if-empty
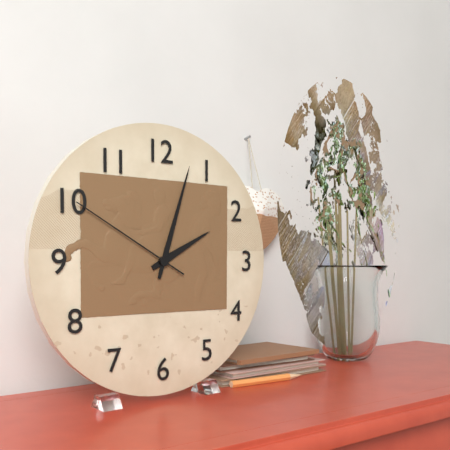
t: 2:03:50
